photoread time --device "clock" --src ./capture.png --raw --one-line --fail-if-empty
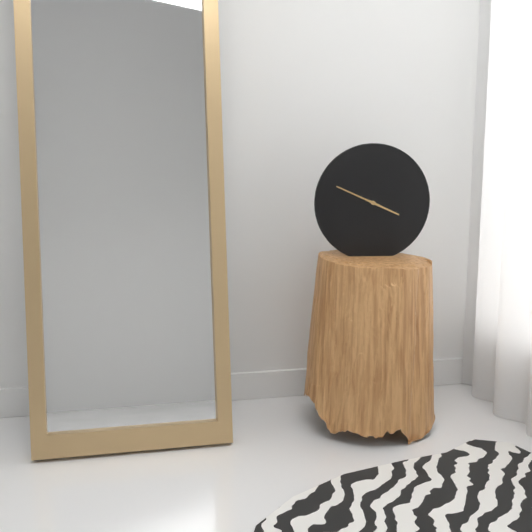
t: 3:49
